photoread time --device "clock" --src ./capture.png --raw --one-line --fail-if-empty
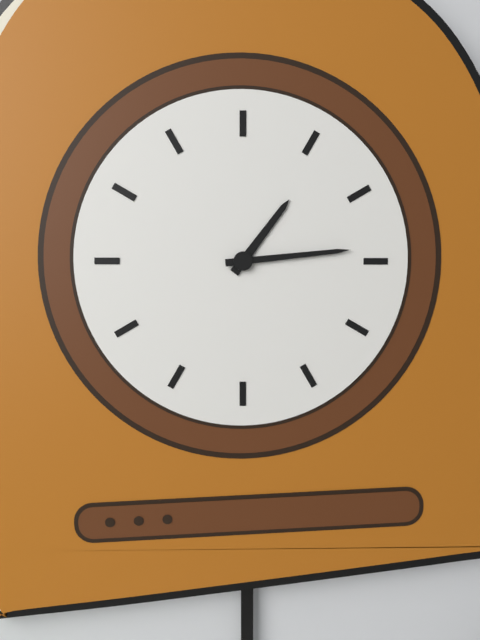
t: 1:14
